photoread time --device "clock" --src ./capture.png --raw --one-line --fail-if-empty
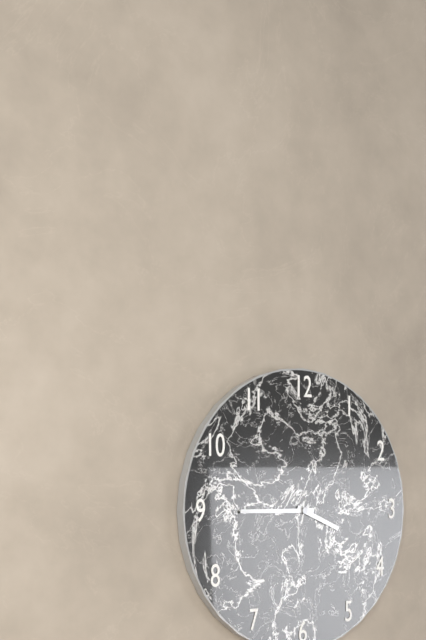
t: 3:45
